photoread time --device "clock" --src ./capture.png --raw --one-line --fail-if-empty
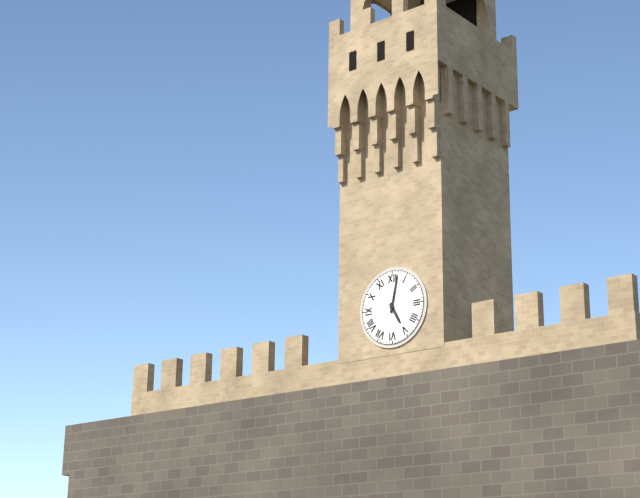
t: 5:02
